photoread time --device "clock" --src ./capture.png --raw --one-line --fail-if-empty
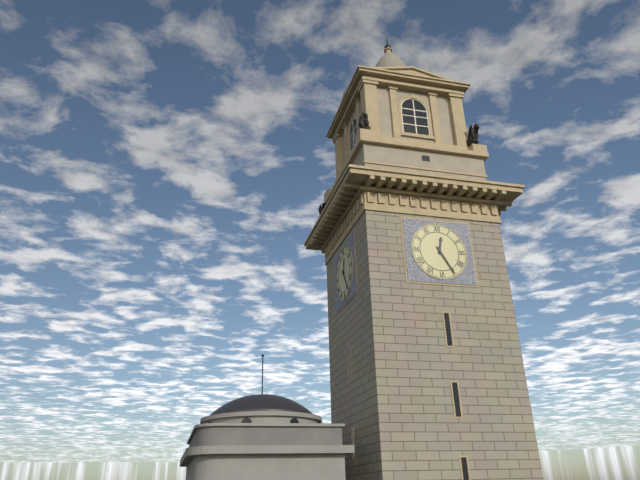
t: 12:25
